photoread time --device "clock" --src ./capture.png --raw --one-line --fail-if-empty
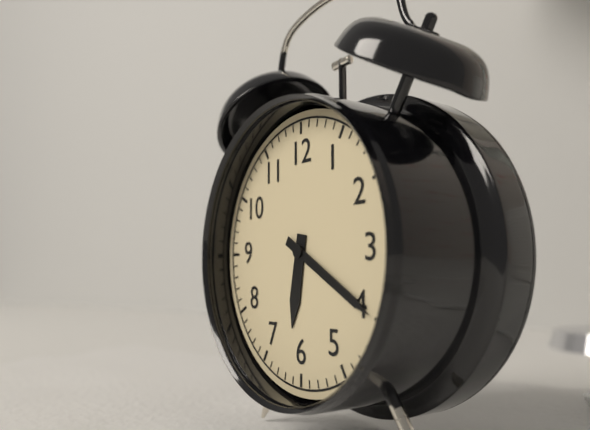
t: 6:20
